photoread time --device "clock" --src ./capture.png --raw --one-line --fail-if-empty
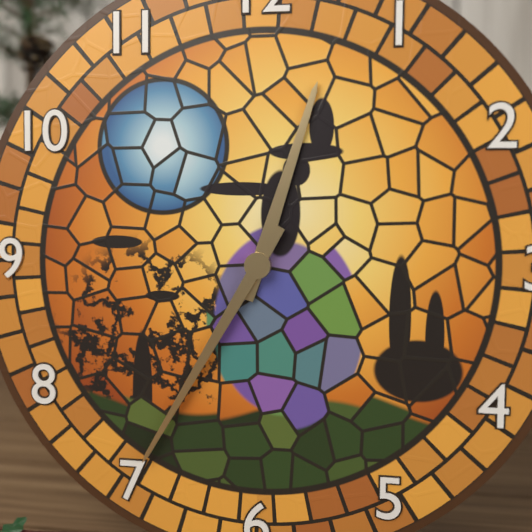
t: 12:35
